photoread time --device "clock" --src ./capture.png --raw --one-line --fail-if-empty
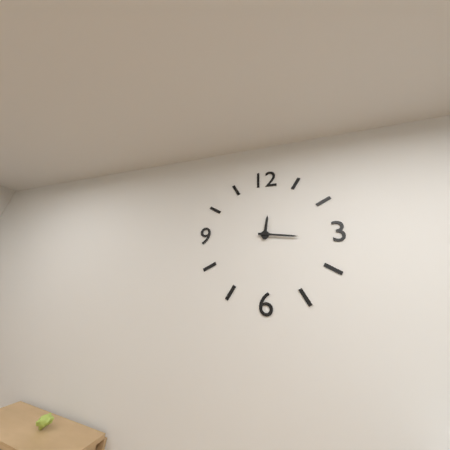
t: 12:16
